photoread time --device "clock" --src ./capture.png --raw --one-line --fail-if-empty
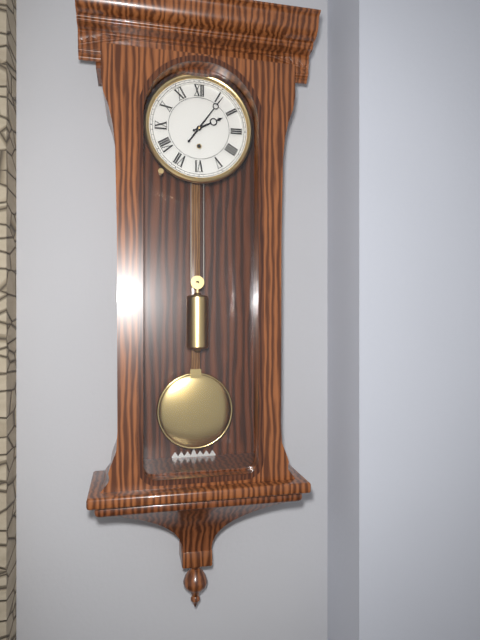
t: 2:06
